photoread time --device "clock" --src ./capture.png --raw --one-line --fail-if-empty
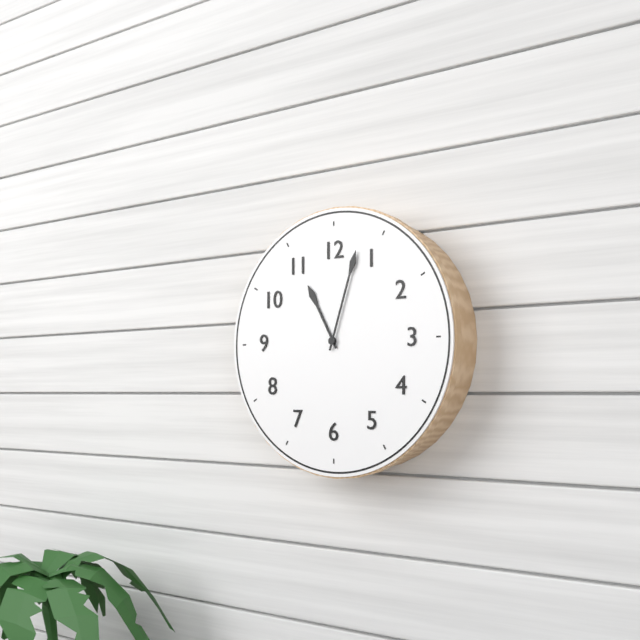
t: 11:03
